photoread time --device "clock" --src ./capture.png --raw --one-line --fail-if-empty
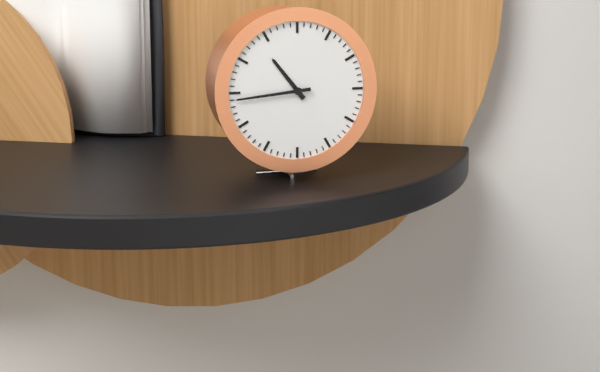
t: 10:44
